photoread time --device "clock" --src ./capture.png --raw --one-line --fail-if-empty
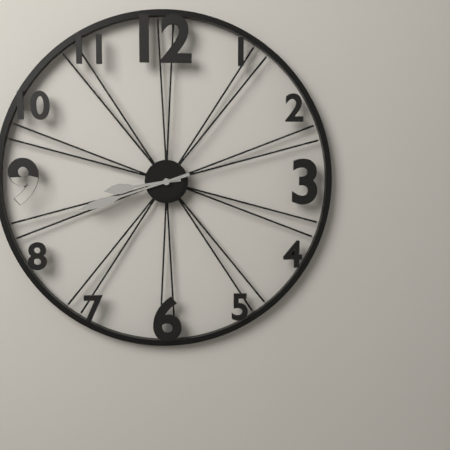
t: 8:42
